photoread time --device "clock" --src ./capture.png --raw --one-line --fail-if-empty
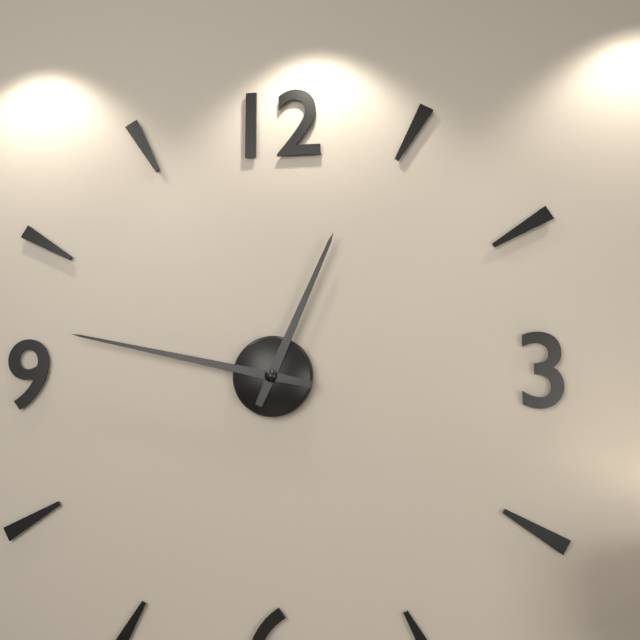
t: 12:47
